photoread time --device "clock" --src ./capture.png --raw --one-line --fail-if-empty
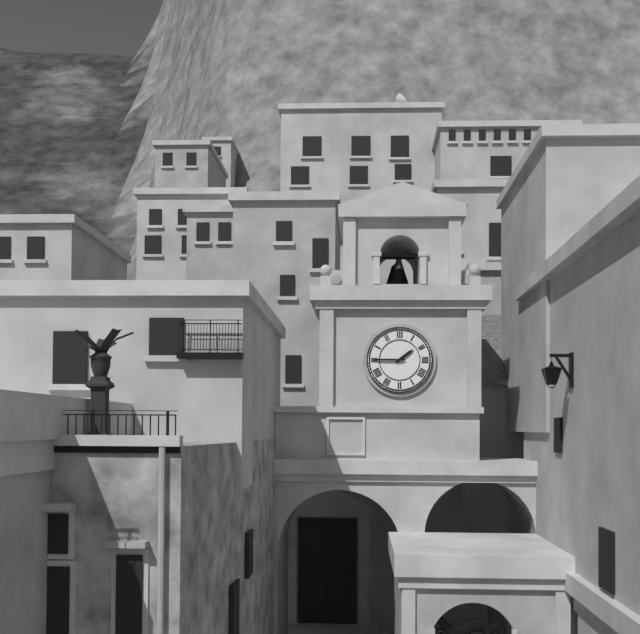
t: 1:45
